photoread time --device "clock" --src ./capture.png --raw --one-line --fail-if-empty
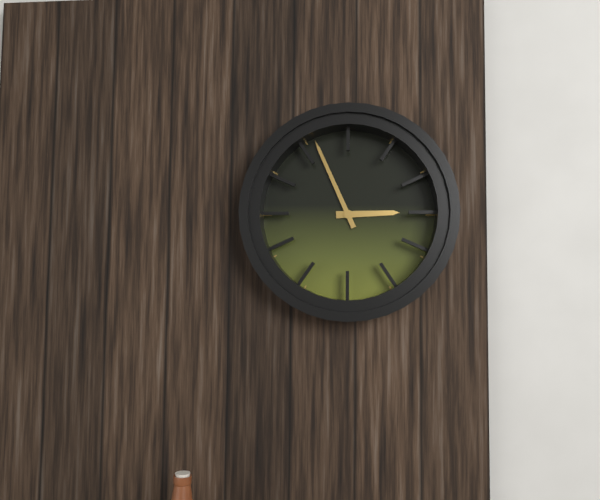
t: 2:56
